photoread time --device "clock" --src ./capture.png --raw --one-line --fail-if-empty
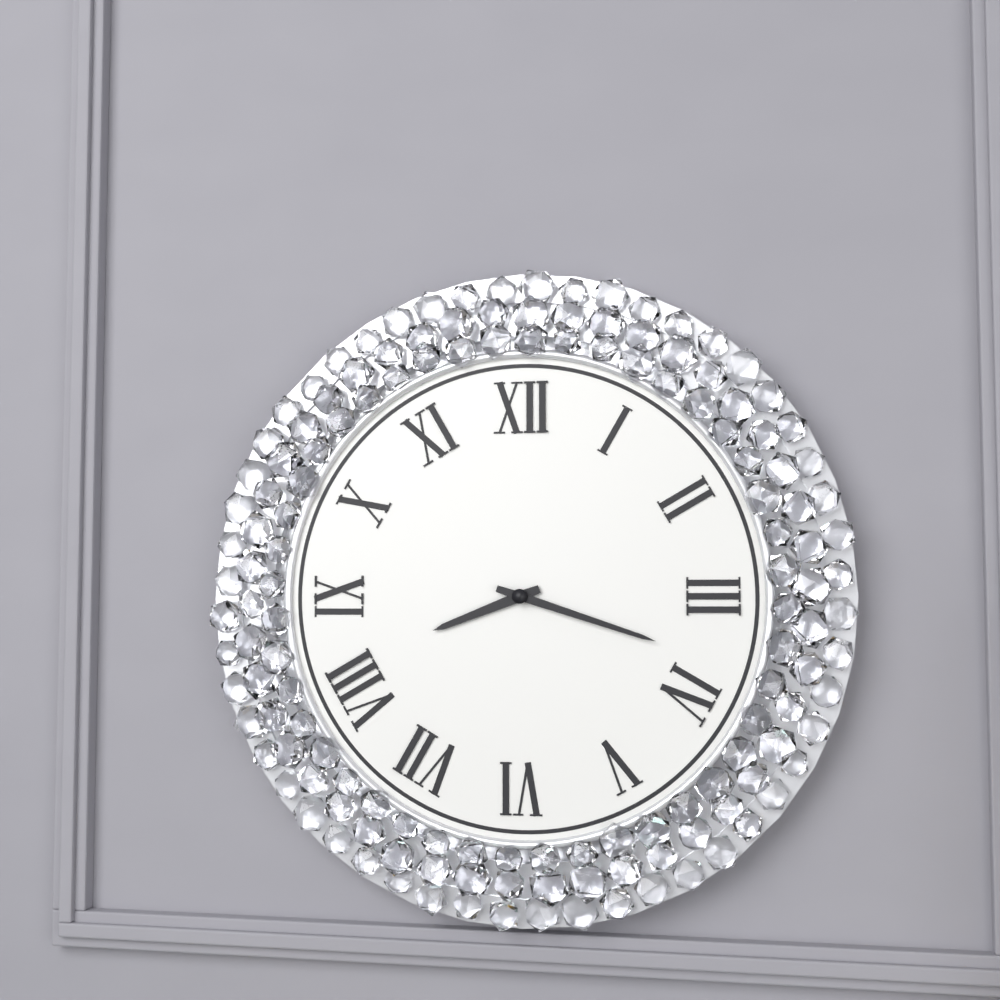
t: 8:18
